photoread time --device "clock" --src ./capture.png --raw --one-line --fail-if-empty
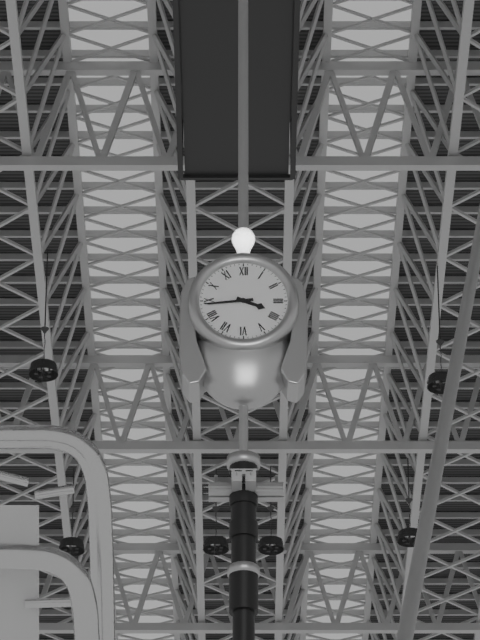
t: 3:44
